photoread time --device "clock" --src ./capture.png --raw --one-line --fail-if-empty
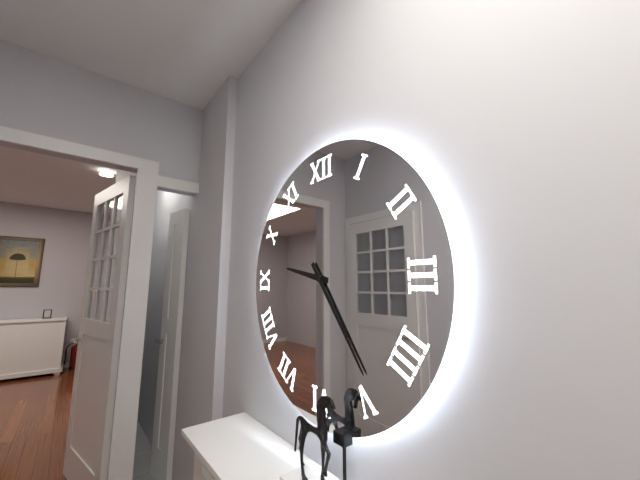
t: 9:24
